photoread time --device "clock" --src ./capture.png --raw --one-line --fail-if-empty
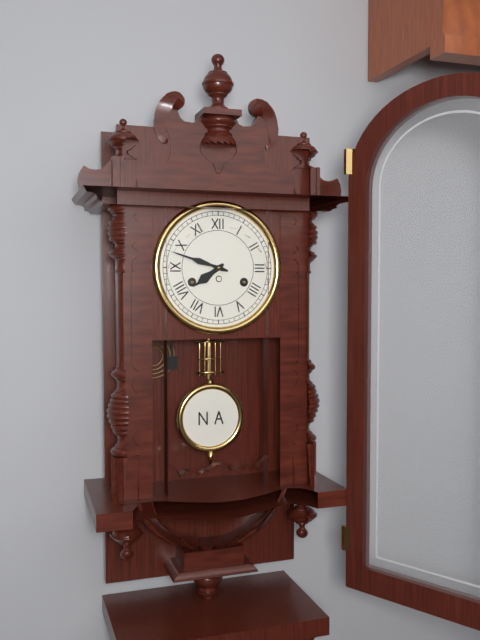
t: 7:48
